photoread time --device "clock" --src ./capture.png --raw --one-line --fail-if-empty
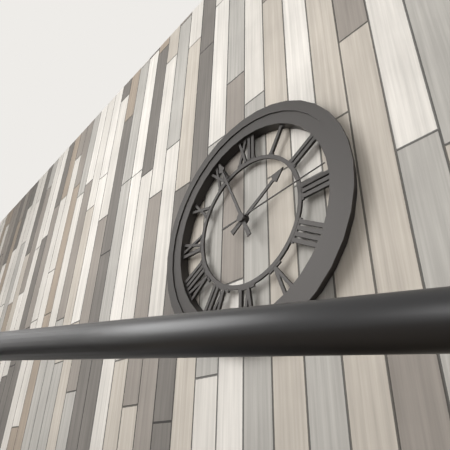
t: 1:56:14
